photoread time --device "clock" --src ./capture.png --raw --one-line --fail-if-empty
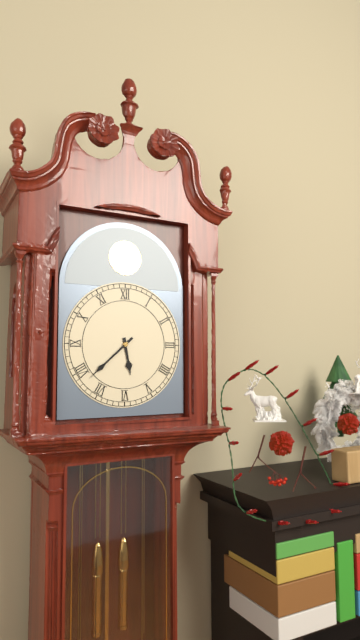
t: 5:38
